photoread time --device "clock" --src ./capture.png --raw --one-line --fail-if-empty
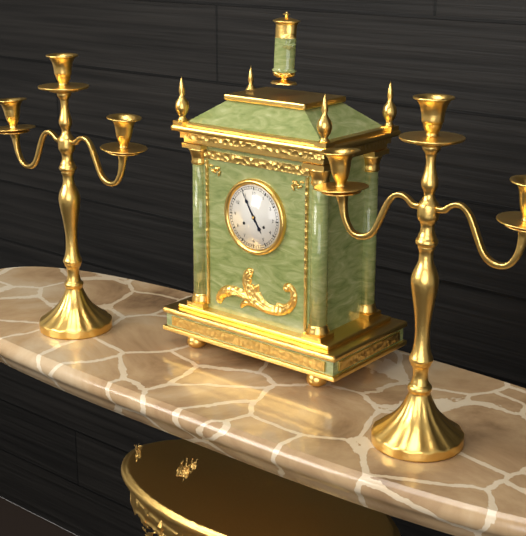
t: 4:55
